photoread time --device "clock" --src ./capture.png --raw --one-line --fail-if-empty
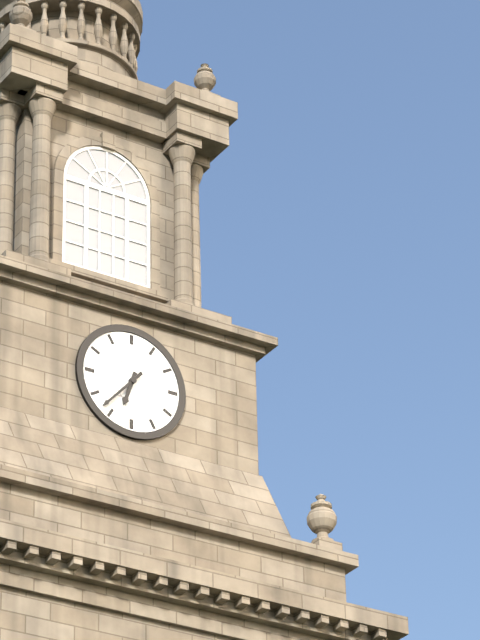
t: 6:37
